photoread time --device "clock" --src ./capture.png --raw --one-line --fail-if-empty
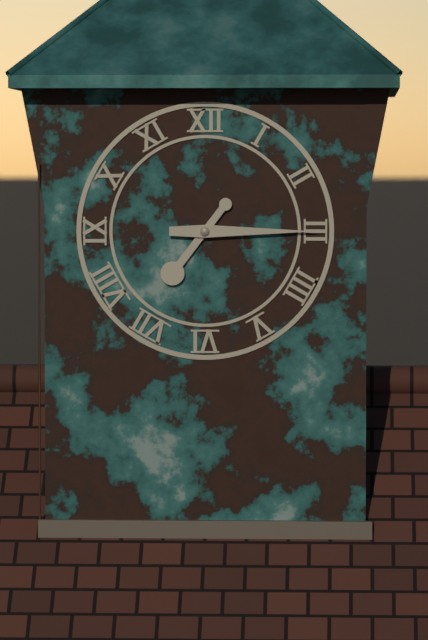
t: 7:15
